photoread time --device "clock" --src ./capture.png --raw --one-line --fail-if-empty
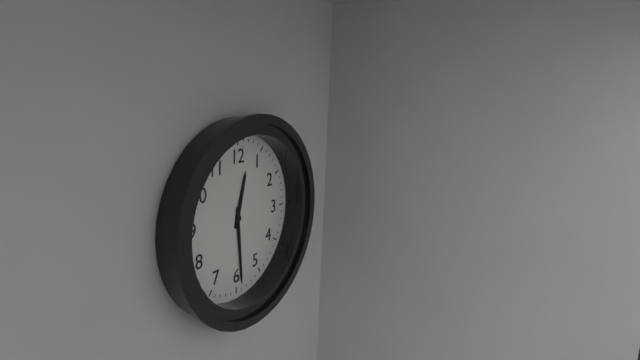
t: 12:29
